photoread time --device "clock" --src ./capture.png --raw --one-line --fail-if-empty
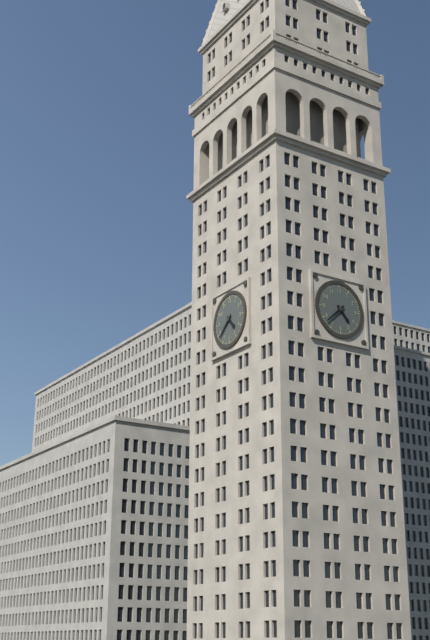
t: 4:38
